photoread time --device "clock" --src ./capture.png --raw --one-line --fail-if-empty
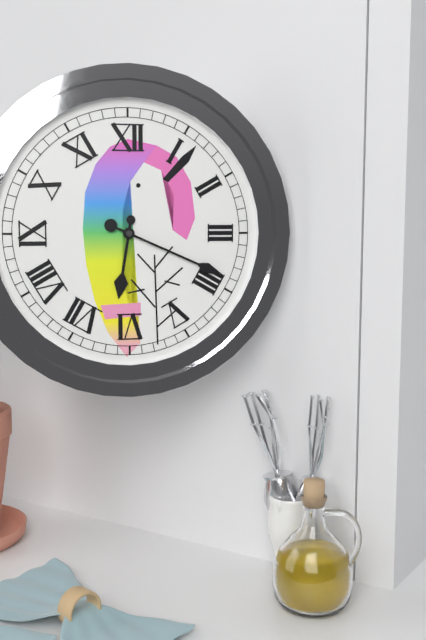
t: 6:19
